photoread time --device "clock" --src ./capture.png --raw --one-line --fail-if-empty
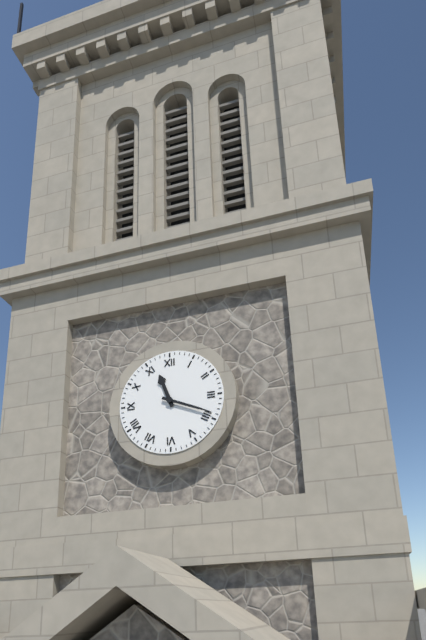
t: 11:19
